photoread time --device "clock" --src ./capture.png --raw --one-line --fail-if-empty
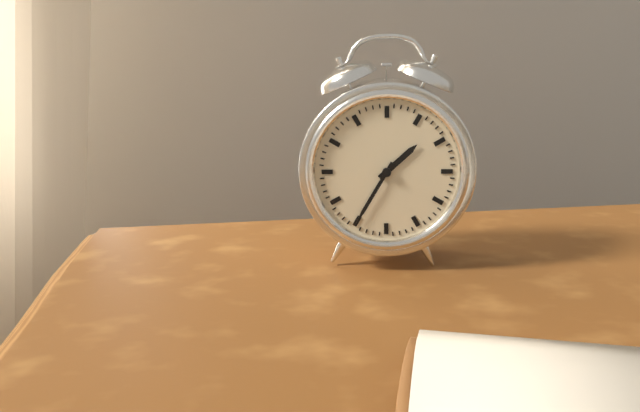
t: 1:35
